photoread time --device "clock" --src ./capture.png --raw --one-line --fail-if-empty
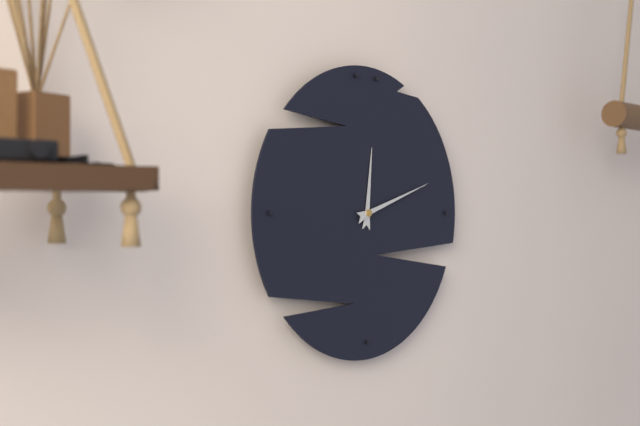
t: 12:12
